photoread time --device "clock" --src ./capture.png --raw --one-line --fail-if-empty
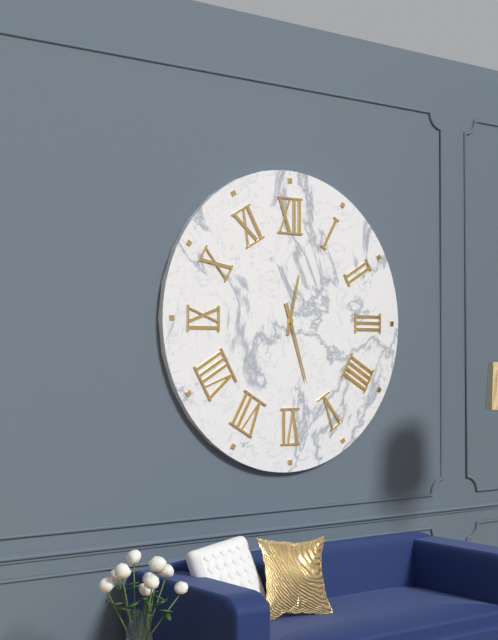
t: 12:27
